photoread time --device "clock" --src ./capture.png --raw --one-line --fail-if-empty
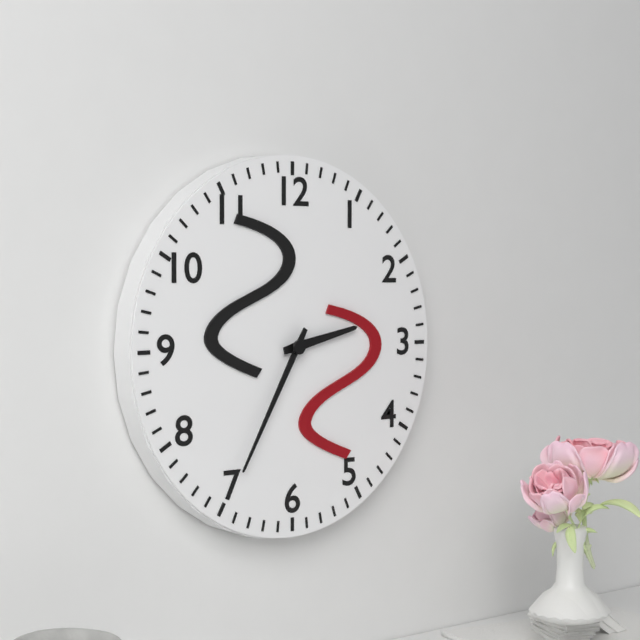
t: 2:35
